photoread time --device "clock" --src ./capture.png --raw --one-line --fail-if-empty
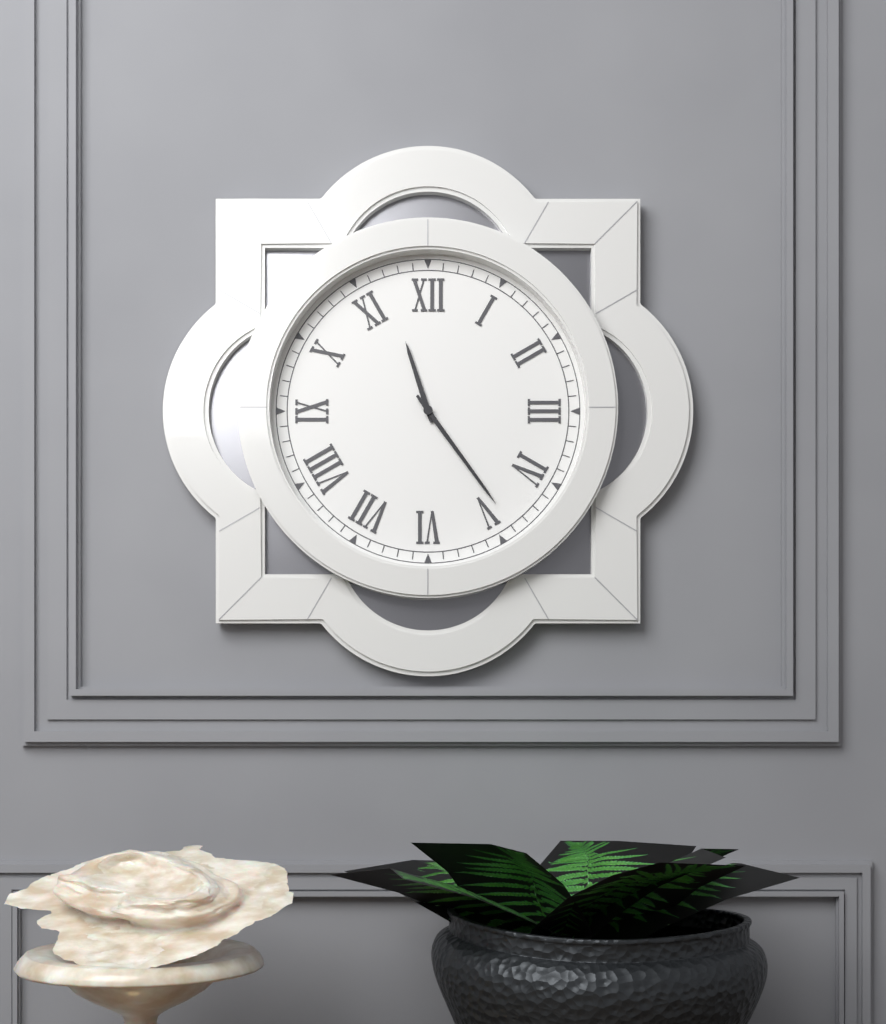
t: 11:24
